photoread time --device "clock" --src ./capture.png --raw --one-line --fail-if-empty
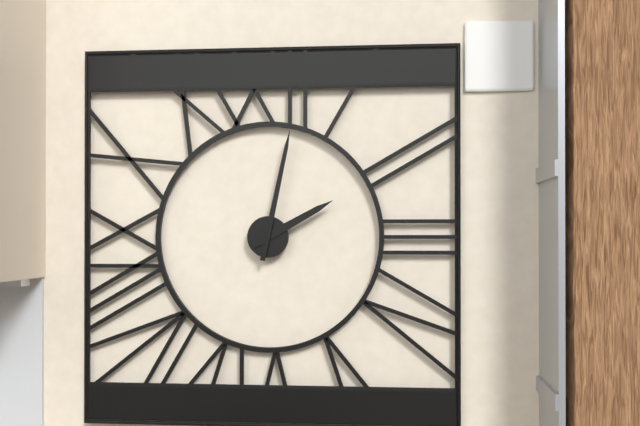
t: 2:02
